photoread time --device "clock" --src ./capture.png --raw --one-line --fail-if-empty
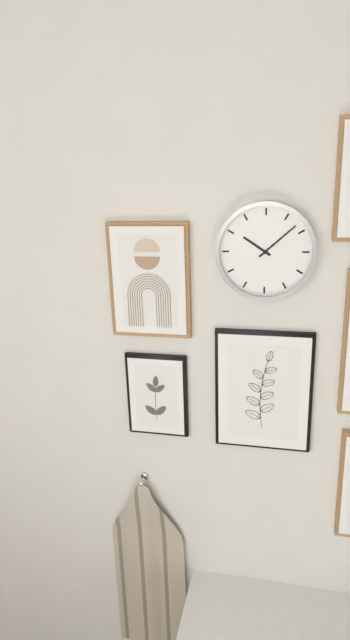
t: 10:08
